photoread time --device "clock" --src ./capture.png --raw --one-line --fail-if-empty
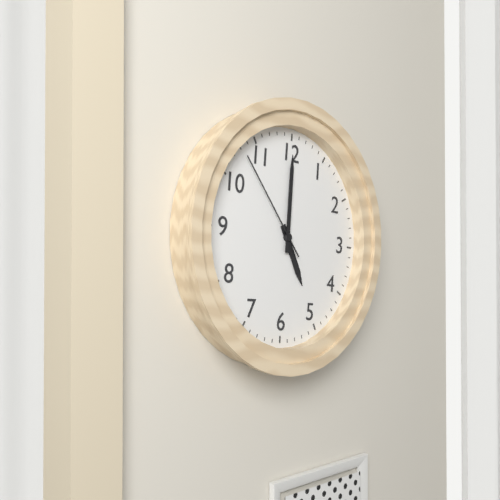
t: 5:00:53
